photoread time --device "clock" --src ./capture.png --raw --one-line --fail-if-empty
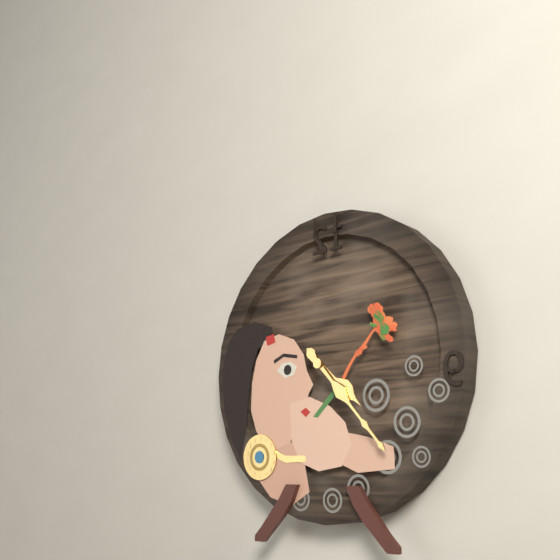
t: 4:23
